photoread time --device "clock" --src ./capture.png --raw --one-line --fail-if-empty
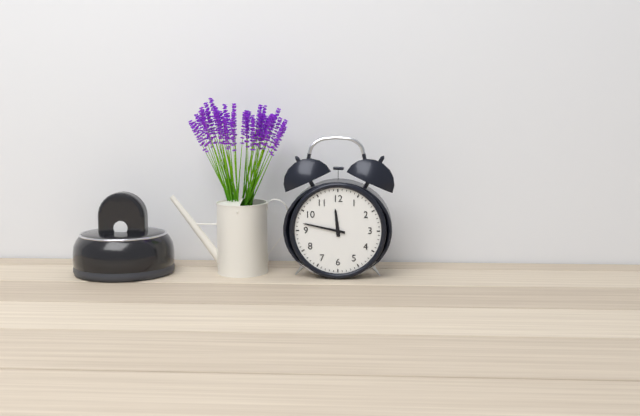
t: 11:47
